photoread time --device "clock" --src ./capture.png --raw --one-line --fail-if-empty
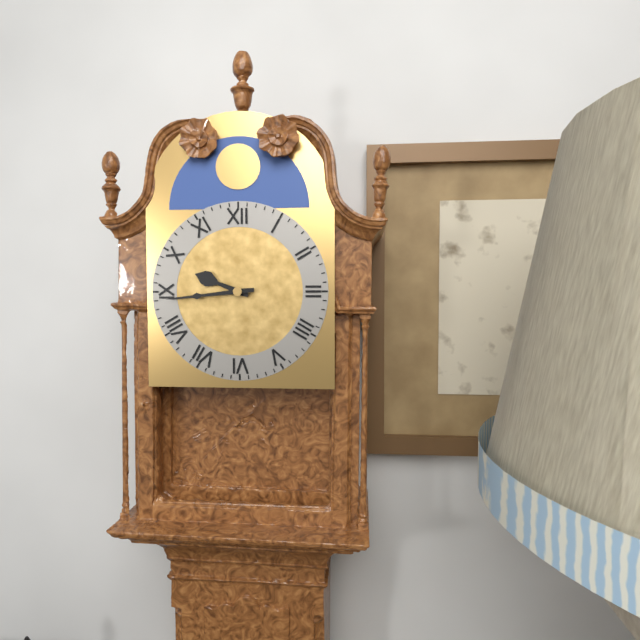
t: 9:44
